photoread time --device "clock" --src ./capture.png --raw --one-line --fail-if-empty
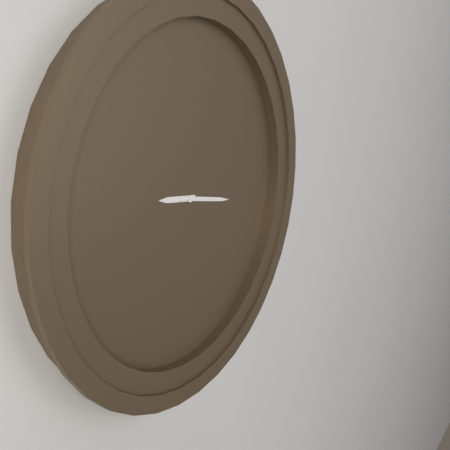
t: 9:17
